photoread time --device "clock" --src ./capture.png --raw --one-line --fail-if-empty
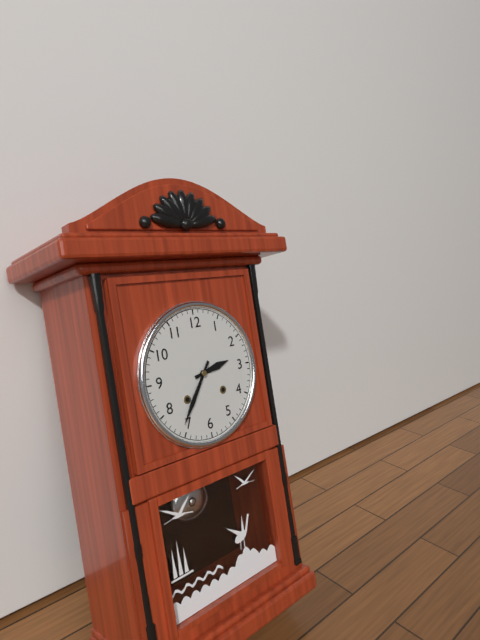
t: 2:36
